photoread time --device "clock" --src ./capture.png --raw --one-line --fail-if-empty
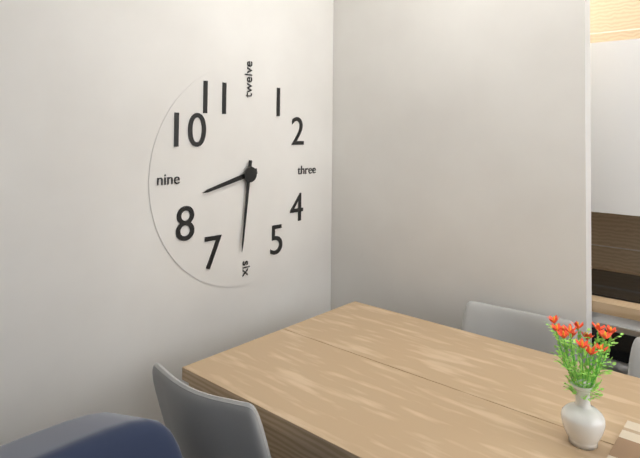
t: 8:31
